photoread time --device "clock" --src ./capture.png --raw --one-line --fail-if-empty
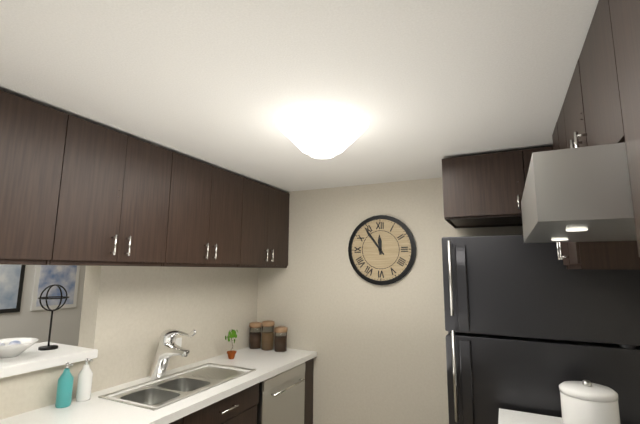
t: 11:54
